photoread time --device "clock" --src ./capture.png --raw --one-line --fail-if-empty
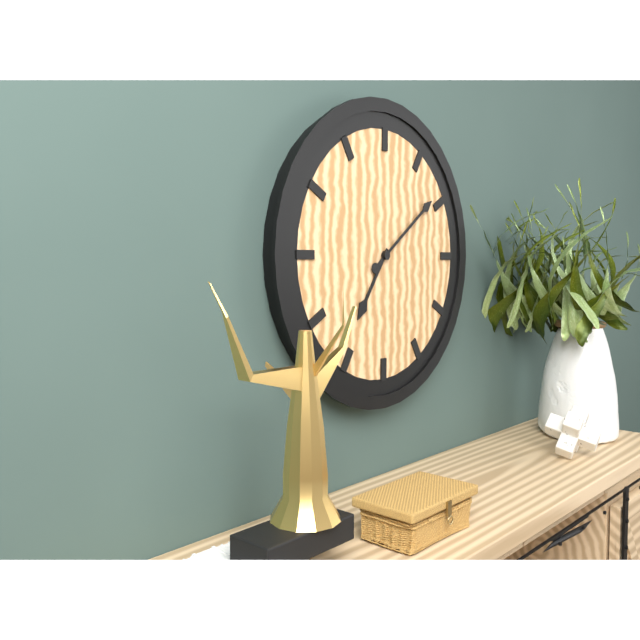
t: 7:09
